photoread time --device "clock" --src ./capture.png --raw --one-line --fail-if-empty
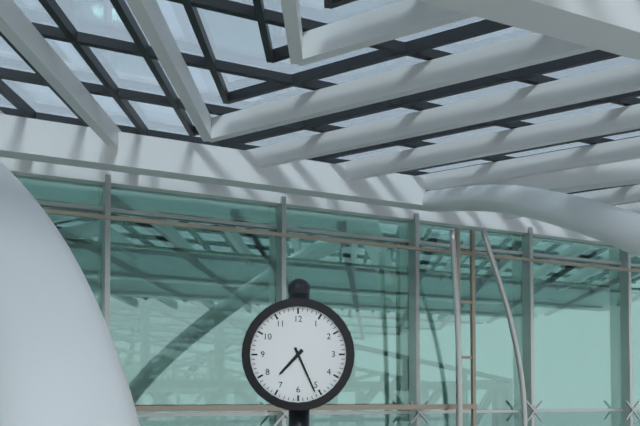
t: 7:26
